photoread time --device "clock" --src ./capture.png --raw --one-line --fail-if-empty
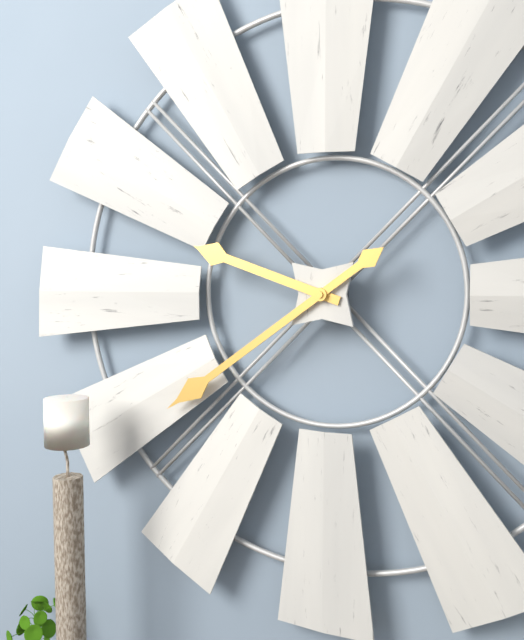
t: 9:39
